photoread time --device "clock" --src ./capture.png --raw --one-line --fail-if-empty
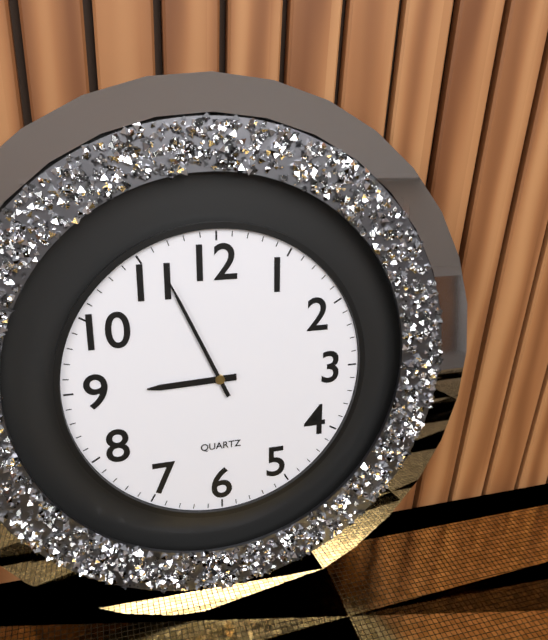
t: 8:56
